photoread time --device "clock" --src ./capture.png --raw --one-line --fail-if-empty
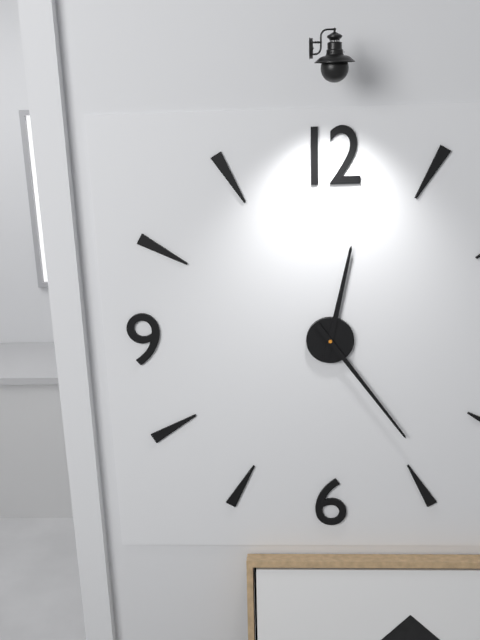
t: 12:24
